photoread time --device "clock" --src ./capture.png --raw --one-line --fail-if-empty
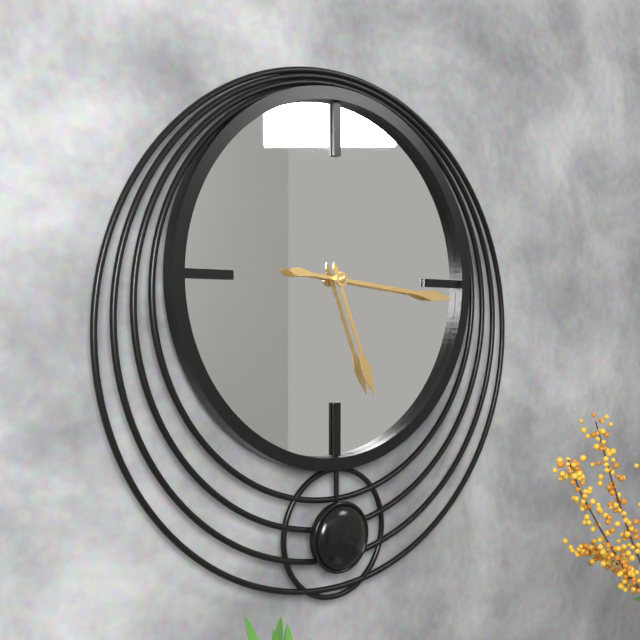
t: 5:16
